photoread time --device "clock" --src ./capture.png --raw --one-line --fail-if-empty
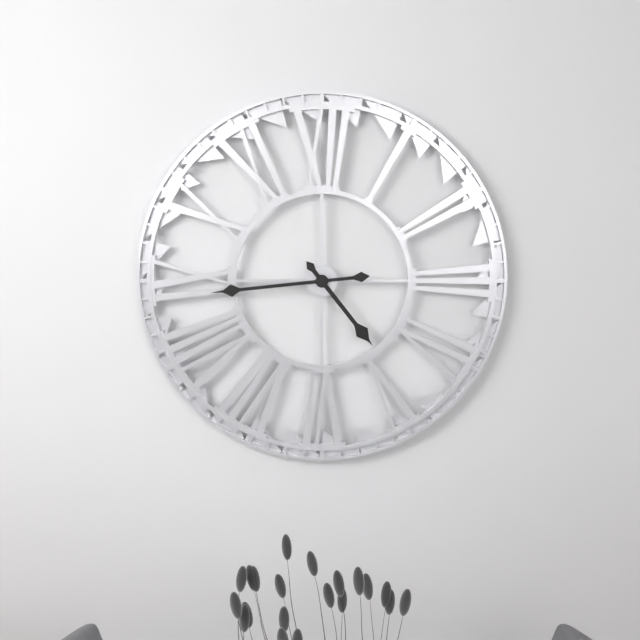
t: 4:44
